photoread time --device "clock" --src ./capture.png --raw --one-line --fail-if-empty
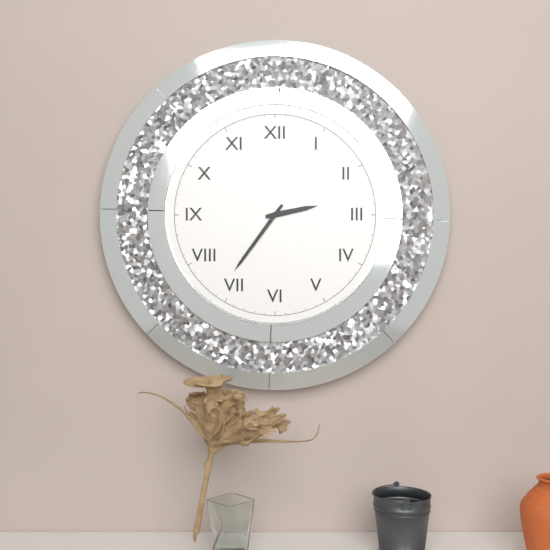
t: 2:36
